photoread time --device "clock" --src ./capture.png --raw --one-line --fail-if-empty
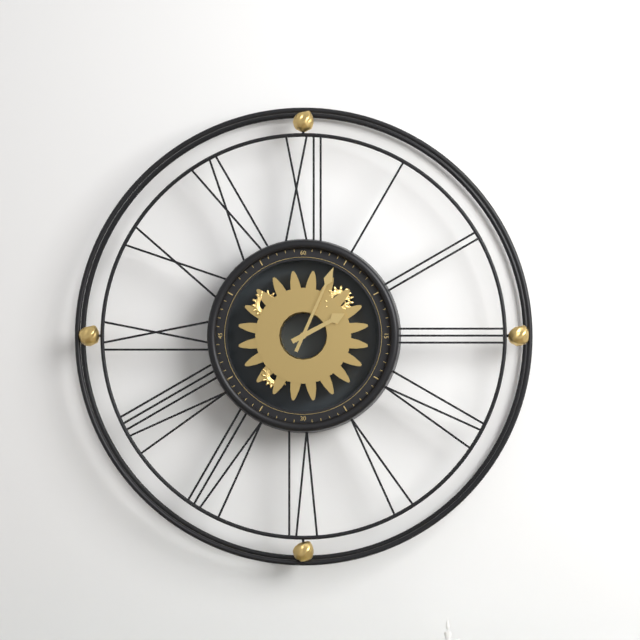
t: 2:04
